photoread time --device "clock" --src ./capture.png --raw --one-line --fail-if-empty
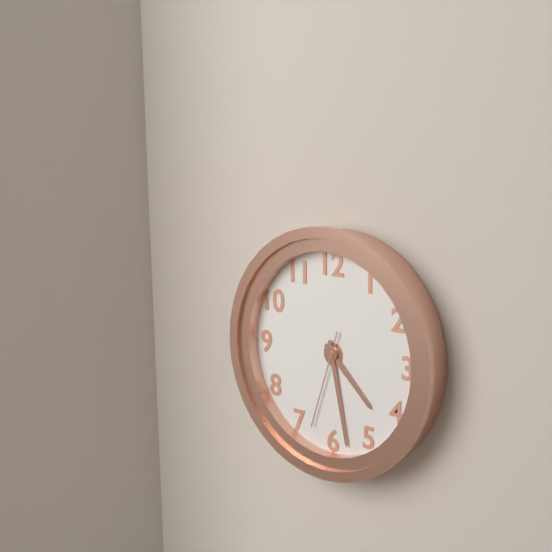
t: 4:28:33
